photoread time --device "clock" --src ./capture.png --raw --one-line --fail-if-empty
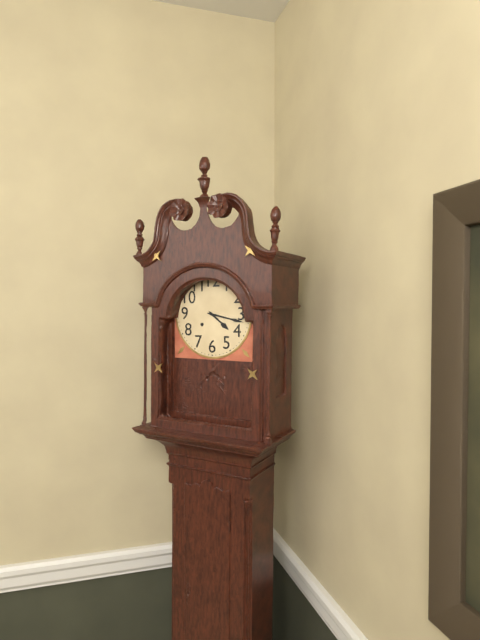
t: 4:17
